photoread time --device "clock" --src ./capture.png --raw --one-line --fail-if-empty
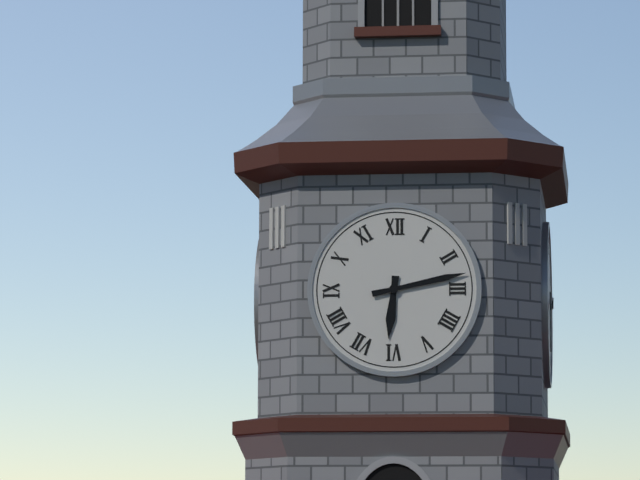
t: 6:13
